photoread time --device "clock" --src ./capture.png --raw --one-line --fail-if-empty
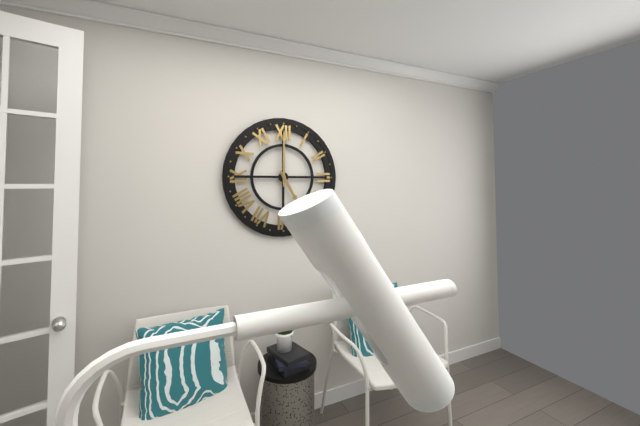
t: 5:00
